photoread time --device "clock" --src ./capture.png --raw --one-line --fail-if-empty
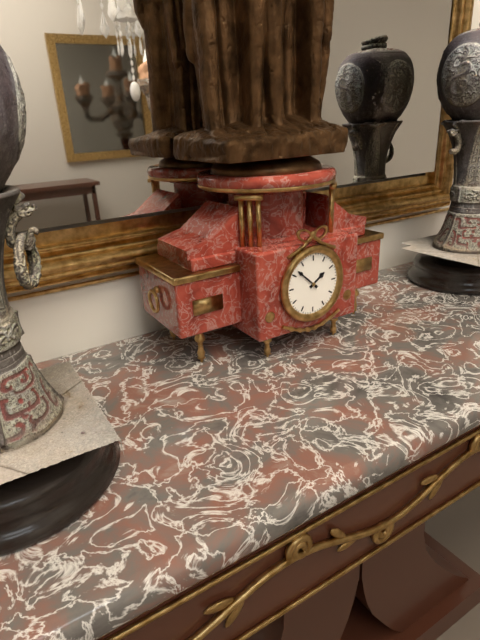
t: 1:52
